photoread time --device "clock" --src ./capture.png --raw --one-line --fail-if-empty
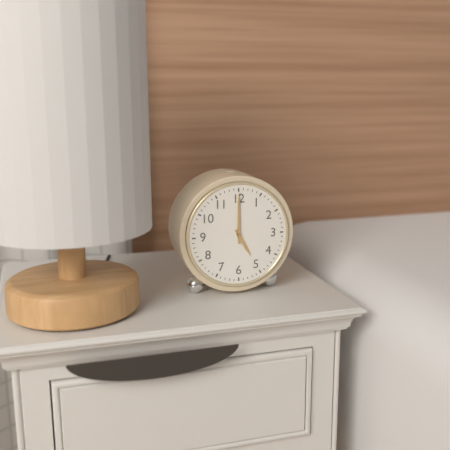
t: 5:00
